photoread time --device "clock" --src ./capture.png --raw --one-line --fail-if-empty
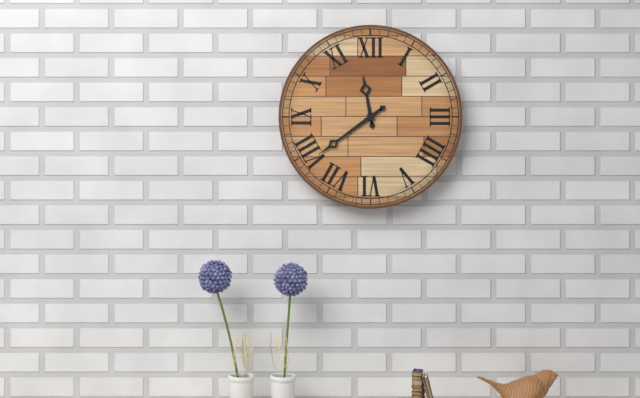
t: 11:39
